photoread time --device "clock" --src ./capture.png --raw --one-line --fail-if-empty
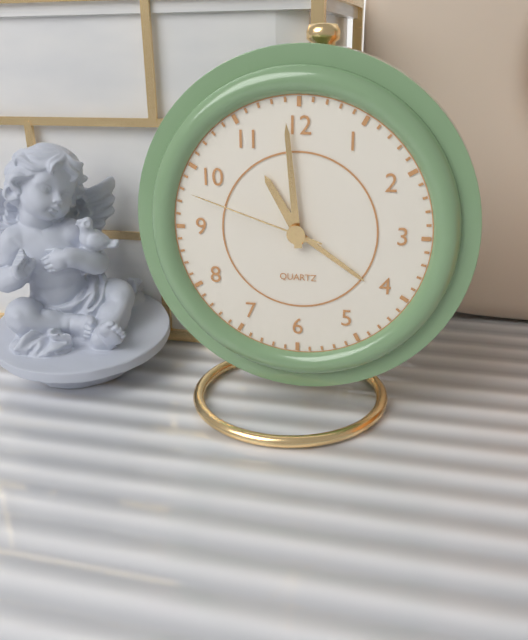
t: 10:59:48
